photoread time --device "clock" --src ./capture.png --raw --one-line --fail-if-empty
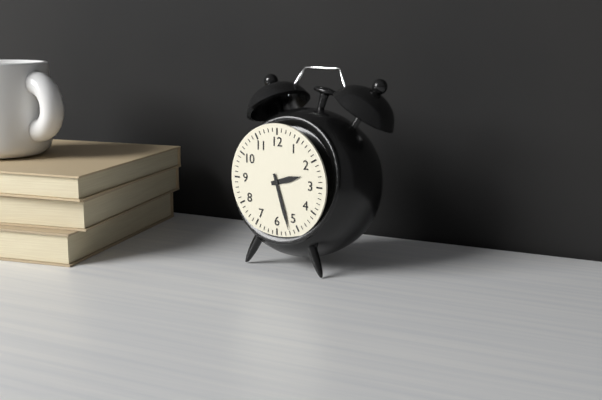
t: 2:27
